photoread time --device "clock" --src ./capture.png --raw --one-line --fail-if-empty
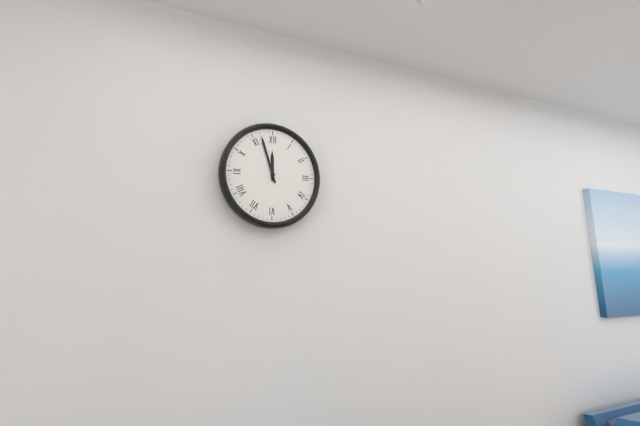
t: 11:57
